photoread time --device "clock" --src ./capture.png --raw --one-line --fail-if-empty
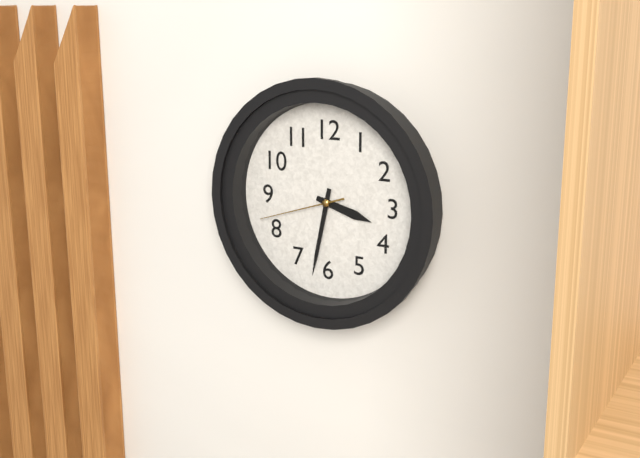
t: 3:32:42
